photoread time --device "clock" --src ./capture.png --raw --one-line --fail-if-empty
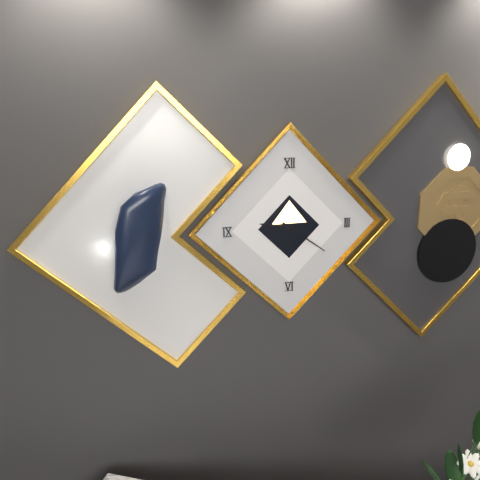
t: 9:21
